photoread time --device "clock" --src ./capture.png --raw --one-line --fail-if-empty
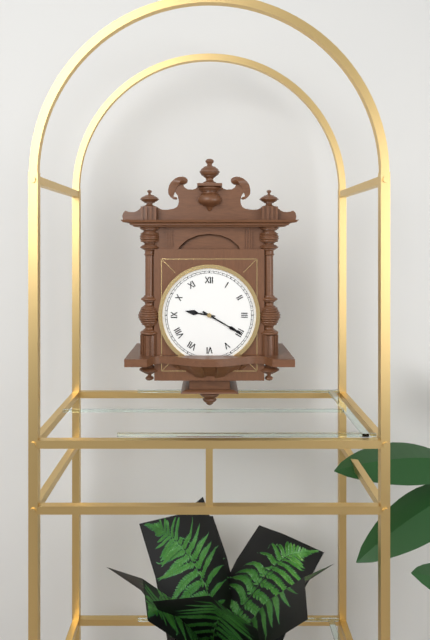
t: 9:20
